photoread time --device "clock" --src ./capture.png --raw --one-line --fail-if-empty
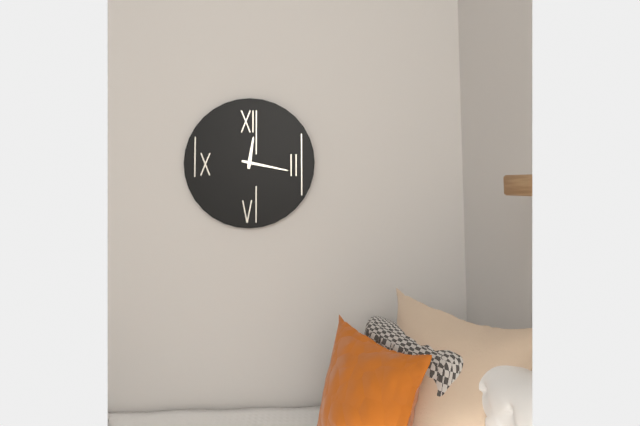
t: 12:17
